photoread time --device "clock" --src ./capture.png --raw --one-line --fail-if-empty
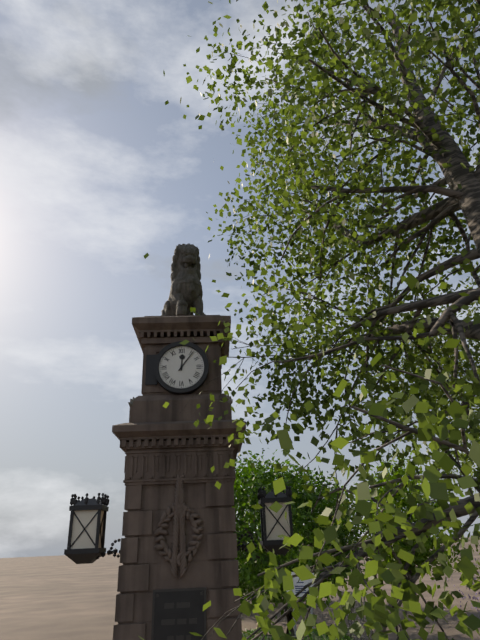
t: 12:06
